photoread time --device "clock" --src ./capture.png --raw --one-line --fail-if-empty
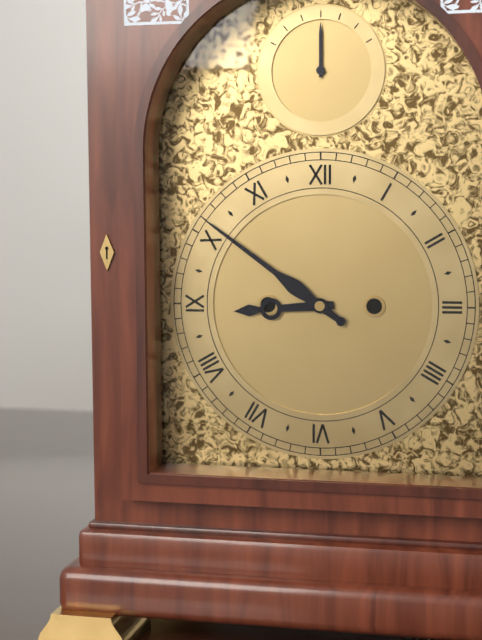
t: 8:51
